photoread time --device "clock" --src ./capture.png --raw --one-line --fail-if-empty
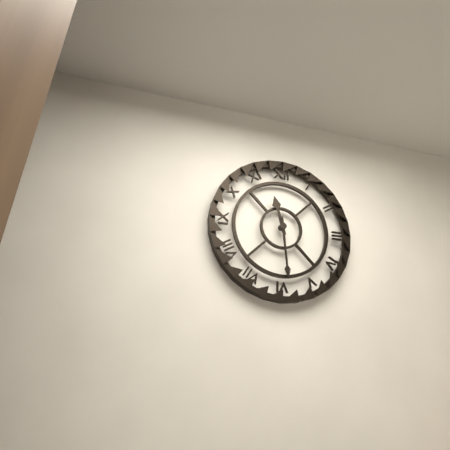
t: 11:29
